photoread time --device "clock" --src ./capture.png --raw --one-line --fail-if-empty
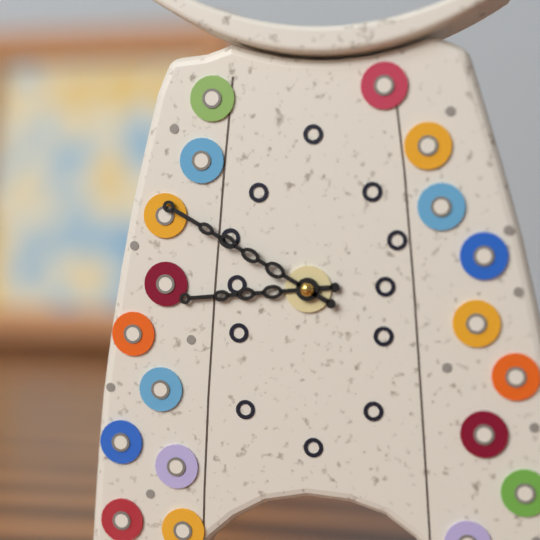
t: 8:50
